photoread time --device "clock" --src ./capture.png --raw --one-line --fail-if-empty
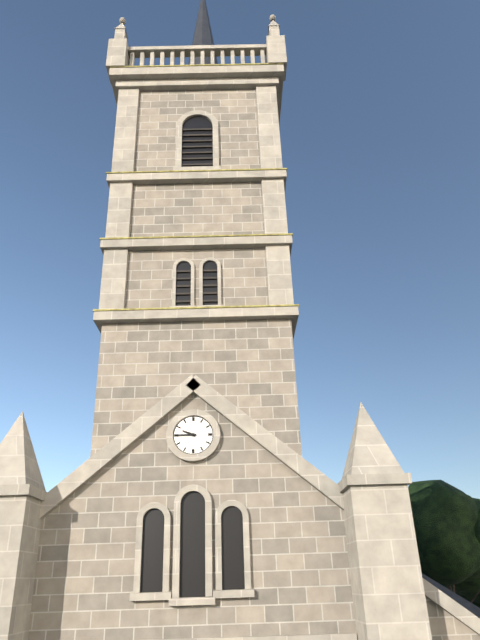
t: 9:45
